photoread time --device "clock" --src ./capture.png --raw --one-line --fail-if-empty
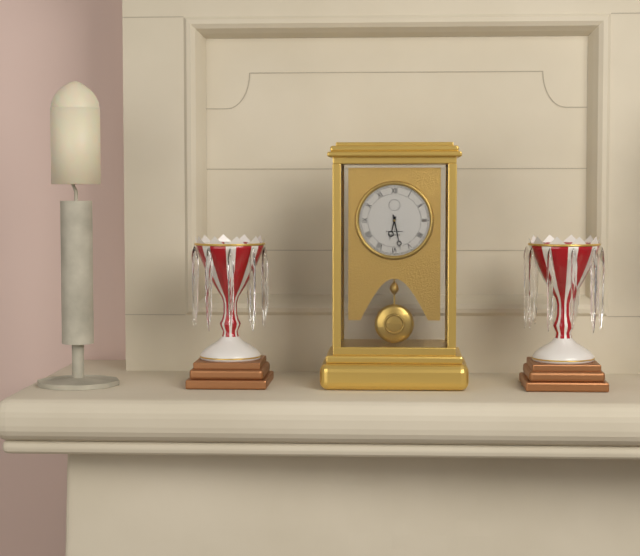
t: 6:28
